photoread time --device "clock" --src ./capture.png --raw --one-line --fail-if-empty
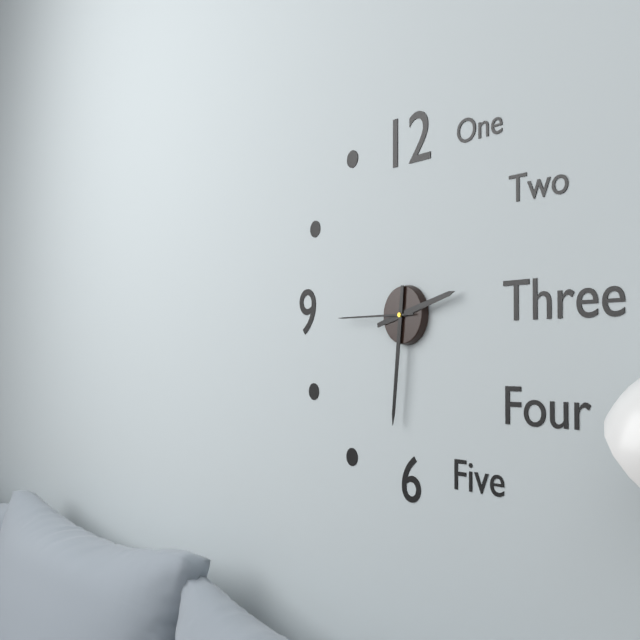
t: 2:31:45
